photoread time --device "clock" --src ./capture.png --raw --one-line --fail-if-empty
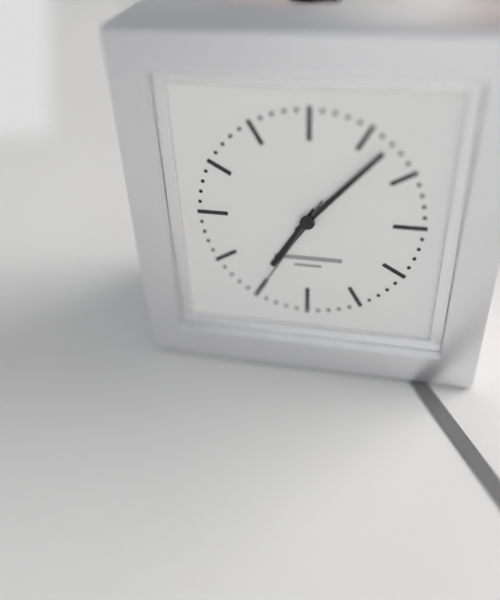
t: 7:07:35
